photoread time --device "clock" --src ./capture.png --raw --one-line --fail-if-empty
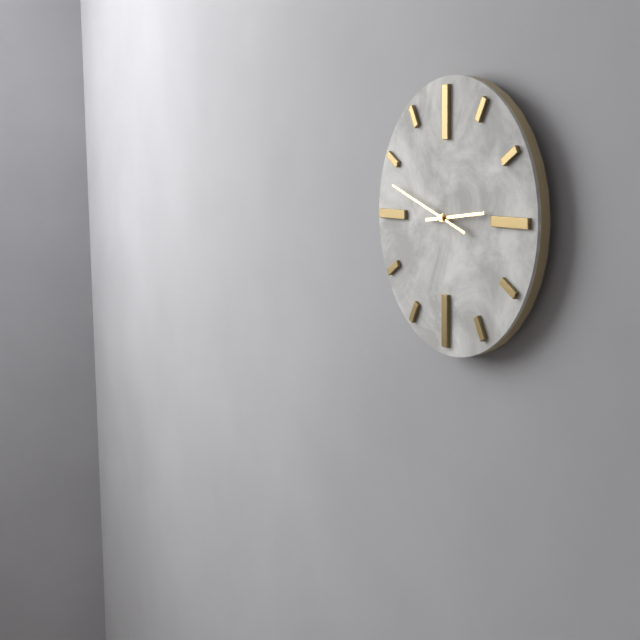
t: 2:48
